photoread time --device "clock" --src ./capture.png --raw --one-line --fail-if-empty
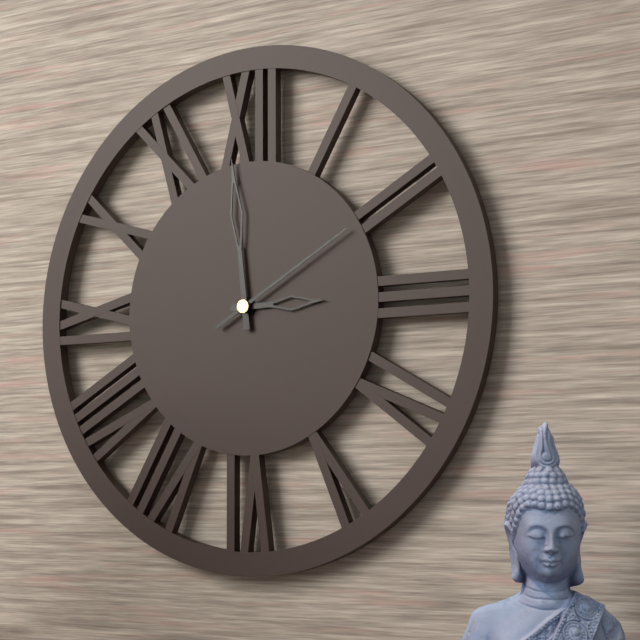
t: 2:59:10
